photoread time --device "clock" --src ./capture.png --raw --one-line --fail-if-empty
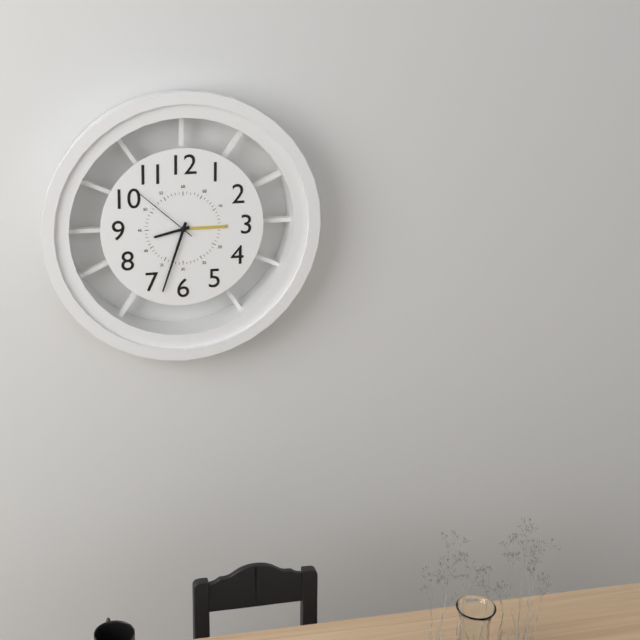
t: 8:33:52
